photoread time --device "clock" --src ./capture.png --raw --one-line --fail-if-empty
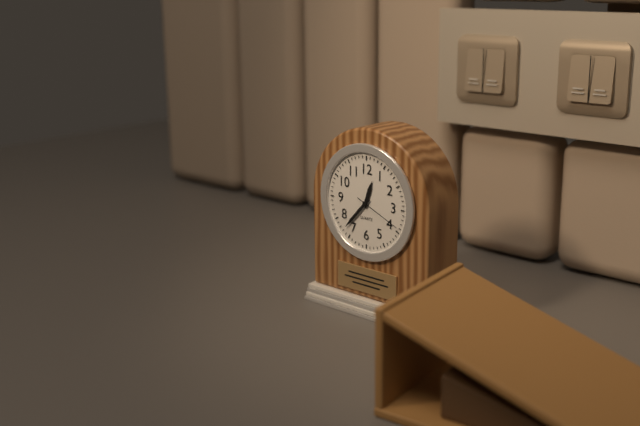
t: 12:37
